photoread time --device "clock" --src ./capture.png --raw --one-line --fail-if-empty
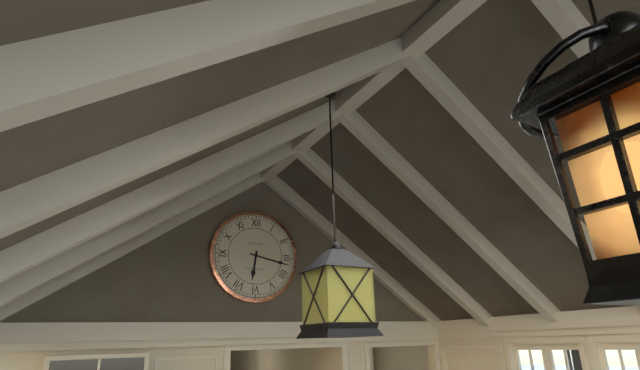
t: 6:17
